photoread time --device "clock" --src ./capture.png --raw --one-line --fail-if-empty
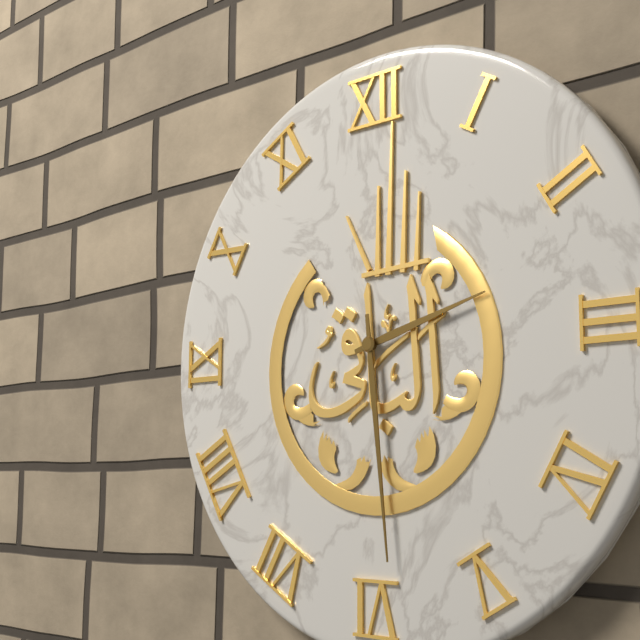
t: 2:29
